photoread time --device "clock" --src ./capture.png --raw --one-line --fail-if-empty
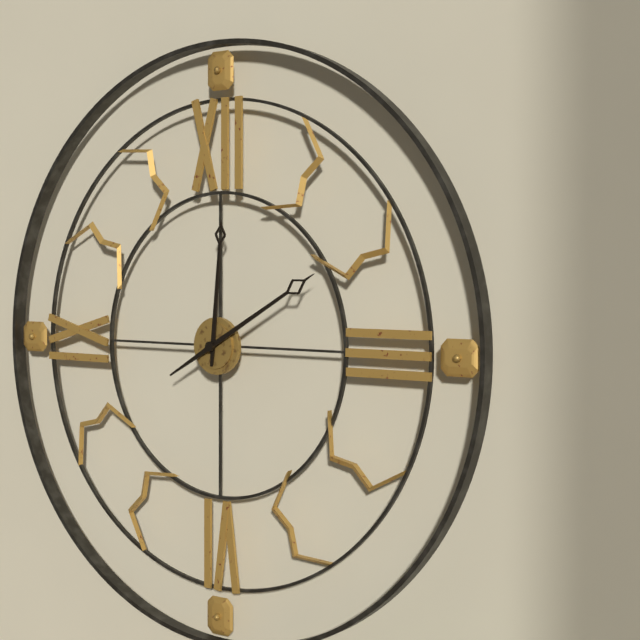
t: 12:10
